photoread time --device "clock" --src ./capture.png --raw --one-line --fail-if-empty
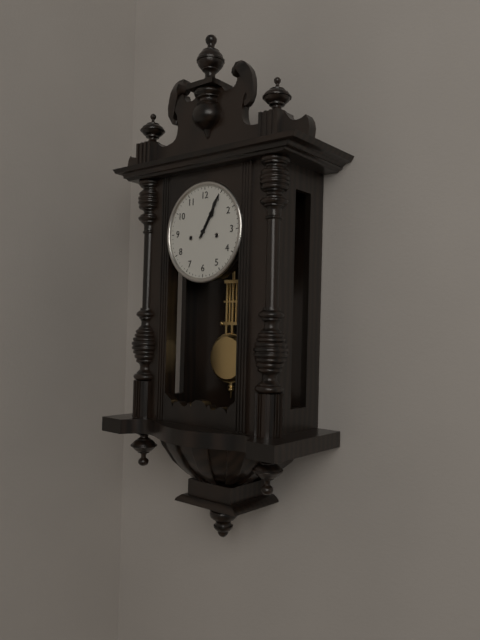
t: 1:05
